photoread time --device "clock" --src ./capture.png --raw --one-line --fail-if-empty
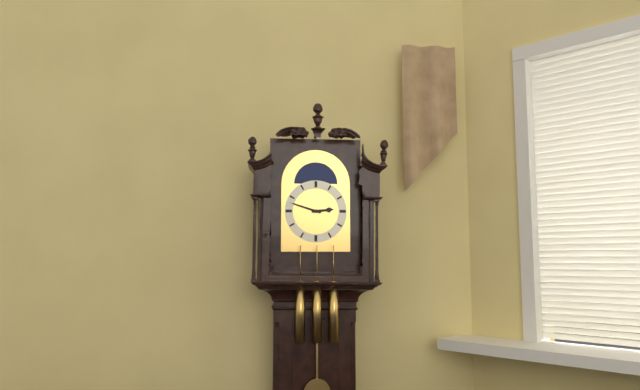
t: 2:48
